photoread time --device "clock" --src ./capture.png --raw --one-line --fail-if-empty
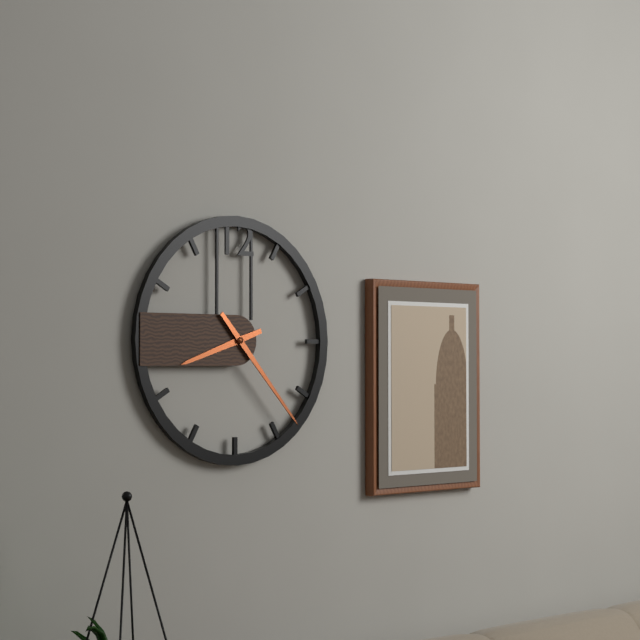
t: 8:23
